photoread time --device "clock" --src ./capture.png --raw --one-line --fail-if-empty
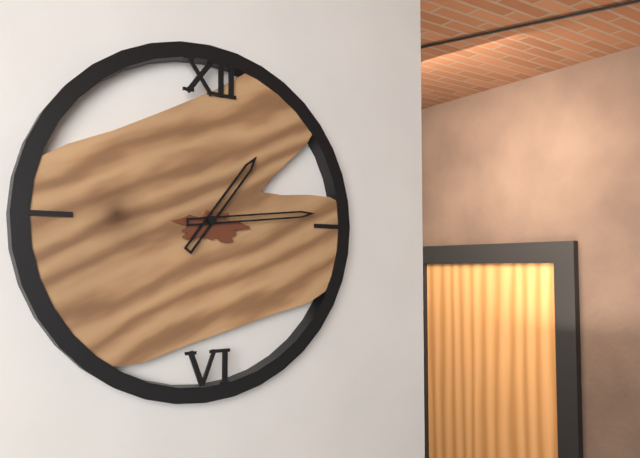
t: 1:14
